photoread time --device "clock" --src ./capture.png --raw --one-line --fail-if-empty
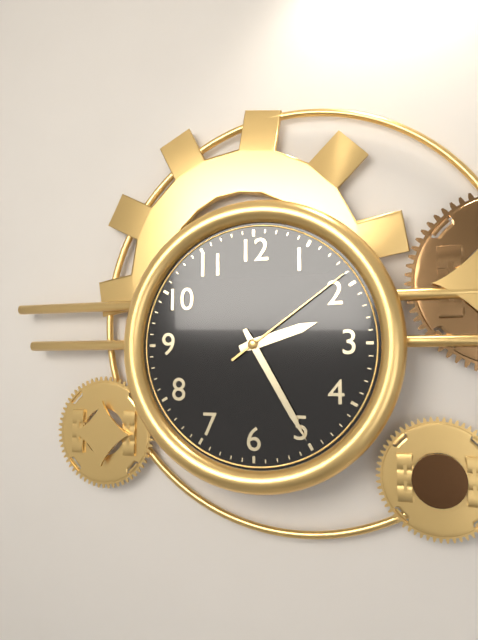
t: 2:25:09
